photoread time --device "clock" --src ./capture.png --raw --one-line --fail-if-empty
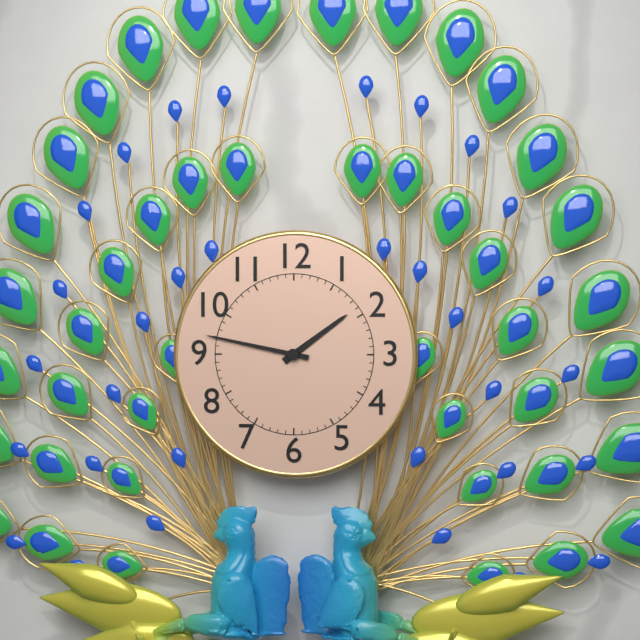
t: 1:47
